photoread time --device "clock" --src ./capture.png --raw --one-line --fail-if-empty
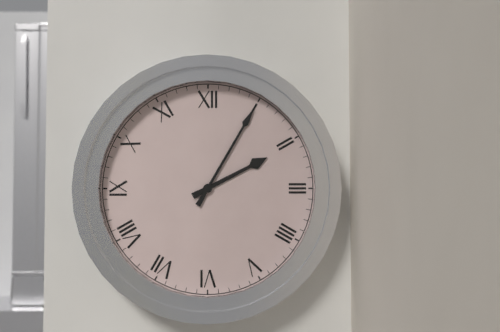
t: 2:05
